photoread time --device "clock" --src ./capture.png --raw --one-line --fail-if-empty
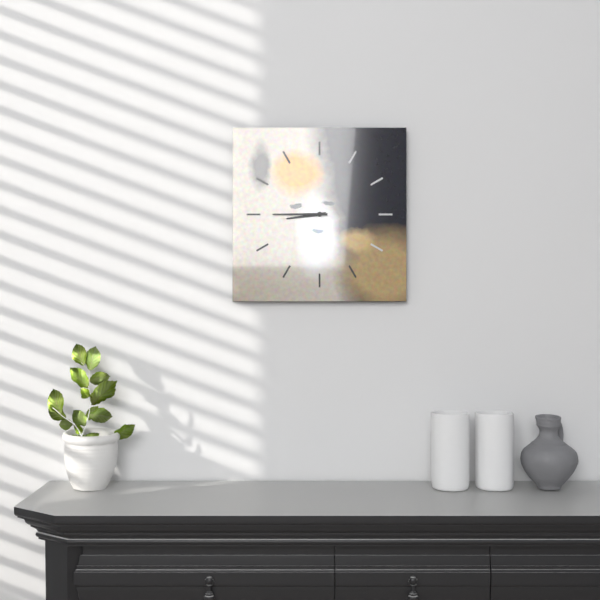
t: 8:45
